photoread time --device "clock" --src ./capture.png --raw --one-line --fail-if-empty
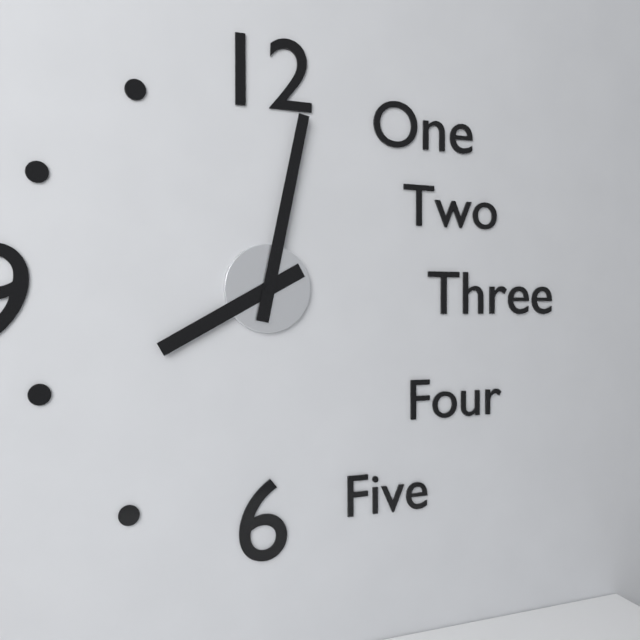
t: 8:02
